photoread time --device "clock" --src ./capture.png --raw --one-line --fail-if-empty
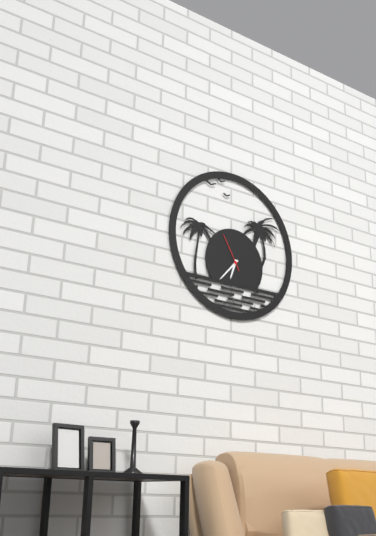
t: 6:37
